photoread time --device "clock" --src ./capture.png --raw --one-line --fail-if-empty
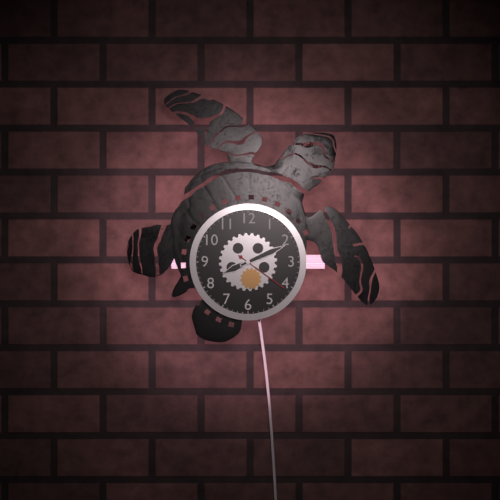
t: 8:11:21
